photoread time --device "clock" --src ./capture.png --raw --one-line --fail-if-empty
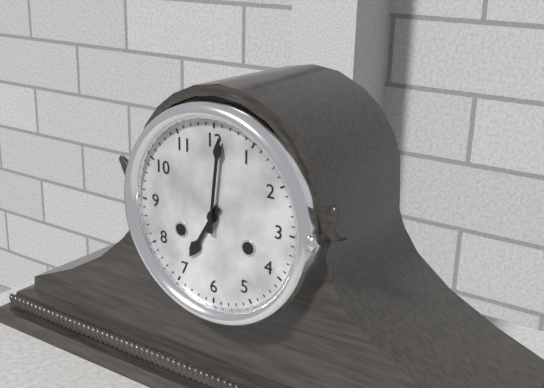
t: 7:01
